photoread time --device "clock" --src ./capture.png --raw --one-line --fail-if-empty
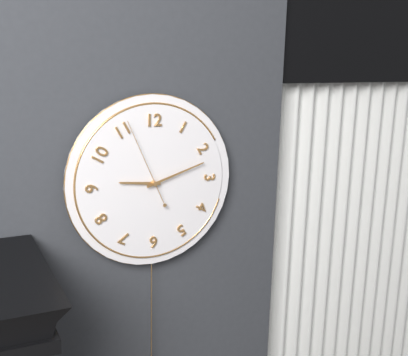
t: 9:12:56
